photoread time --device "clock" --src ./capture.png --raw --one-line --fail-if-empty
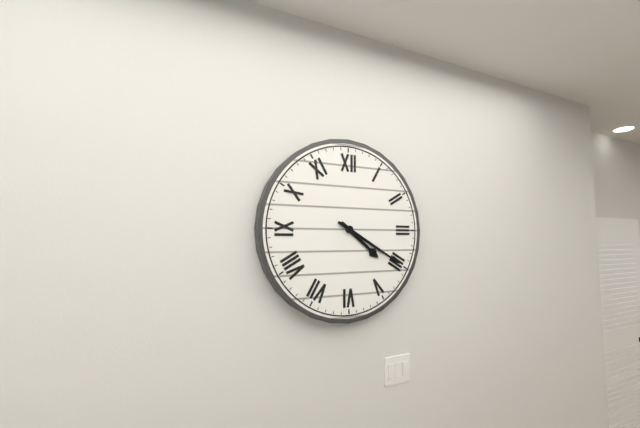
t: 4:20
